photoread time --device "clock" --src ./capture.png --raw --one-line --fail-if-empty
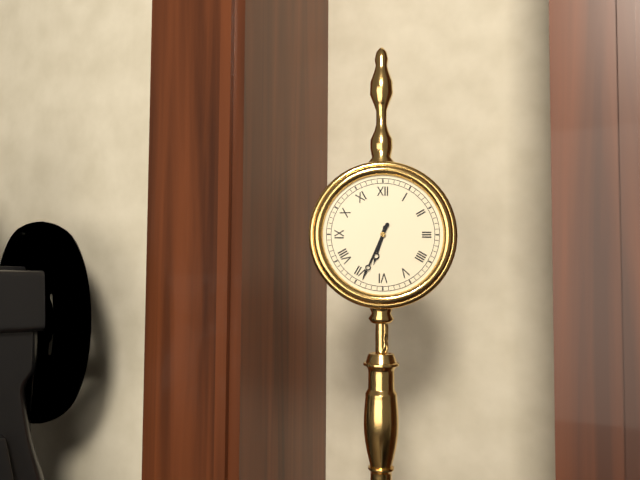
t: 6:34
